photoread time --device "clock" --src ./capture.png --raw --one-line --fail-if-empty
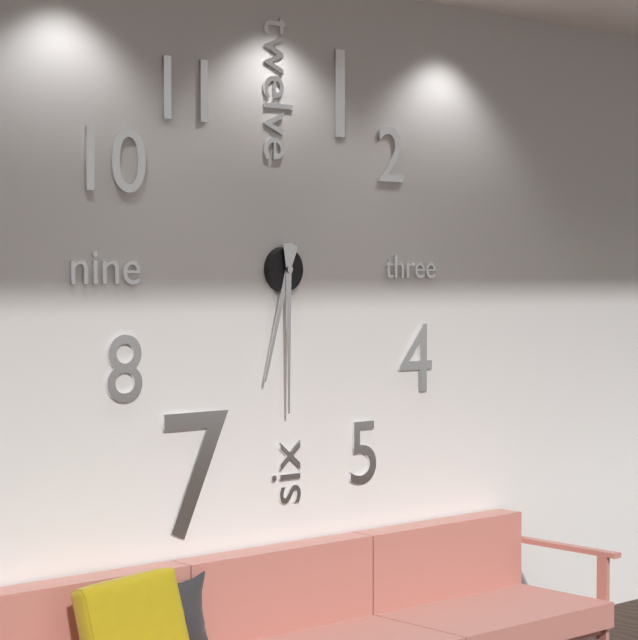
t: 6:30
